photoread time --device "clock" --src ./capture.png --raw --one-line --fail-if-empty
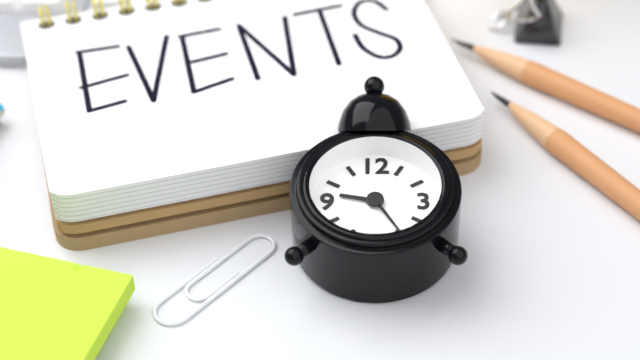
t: 9:25
